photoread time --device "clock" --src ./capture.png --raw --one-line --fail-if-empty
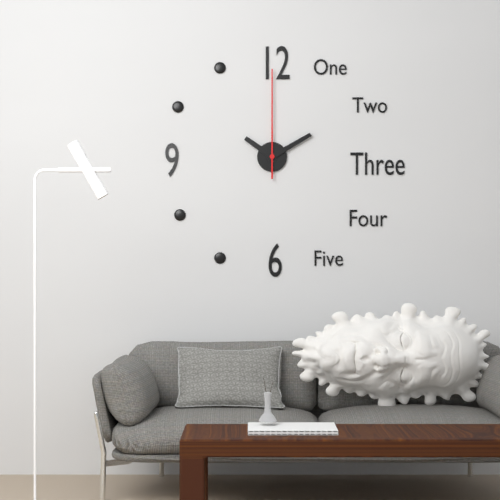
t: 10:10:00
